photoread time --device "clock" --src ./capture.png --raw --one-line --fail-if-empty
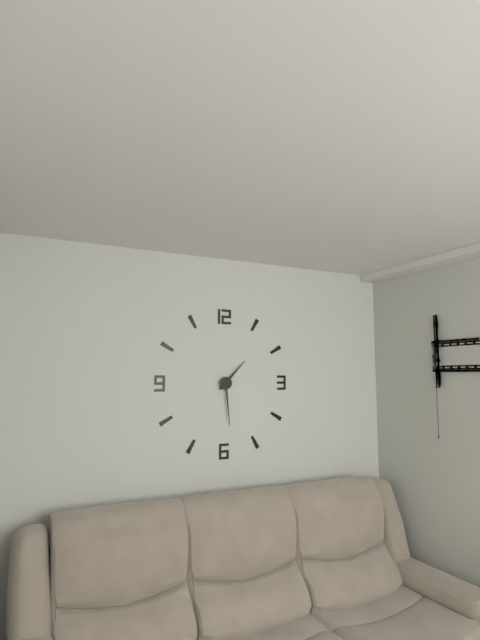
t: 1:29
